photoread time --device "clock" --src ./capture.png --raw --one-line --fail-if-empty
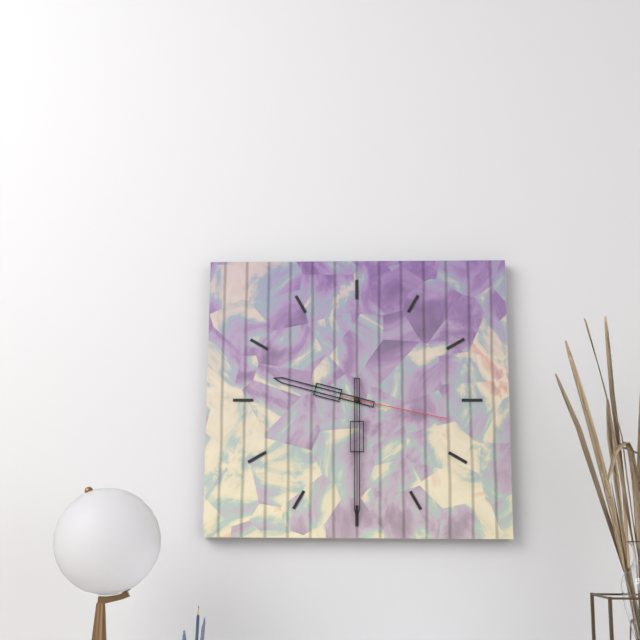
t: 9:30:17
